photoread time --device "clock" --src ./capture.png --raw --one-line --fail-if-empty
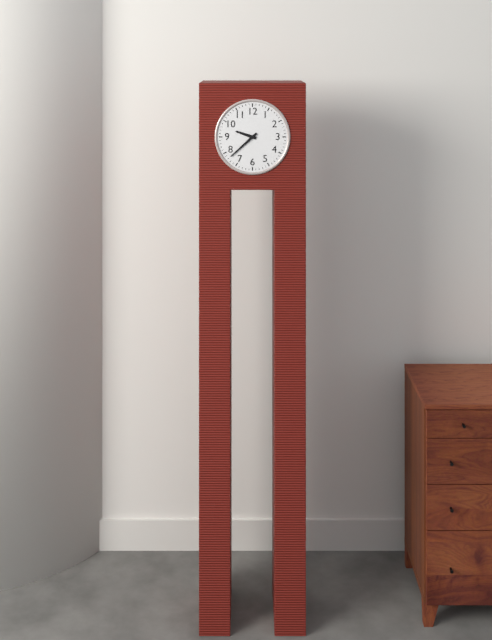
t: 9:38
